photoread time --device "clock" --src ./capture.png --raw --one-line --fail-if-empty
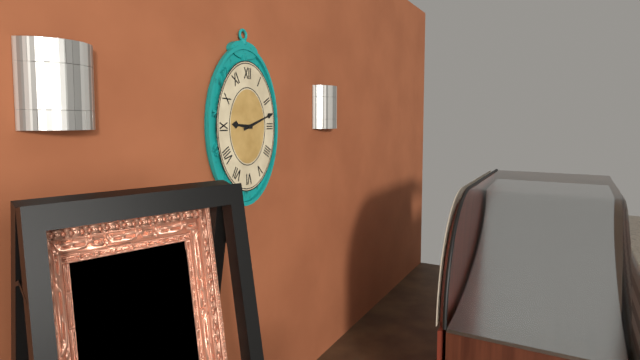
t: 9:12
